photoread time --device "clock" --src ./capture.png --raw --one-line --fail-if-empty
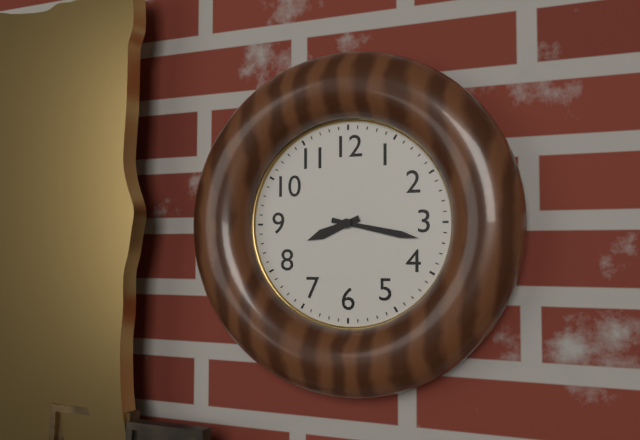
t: 8:17
